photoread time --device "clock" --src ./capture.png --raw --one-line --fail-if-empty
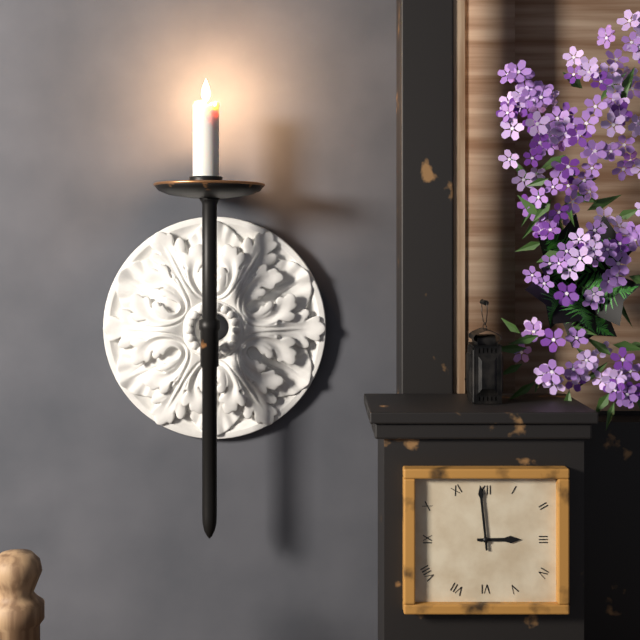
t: 2:59
